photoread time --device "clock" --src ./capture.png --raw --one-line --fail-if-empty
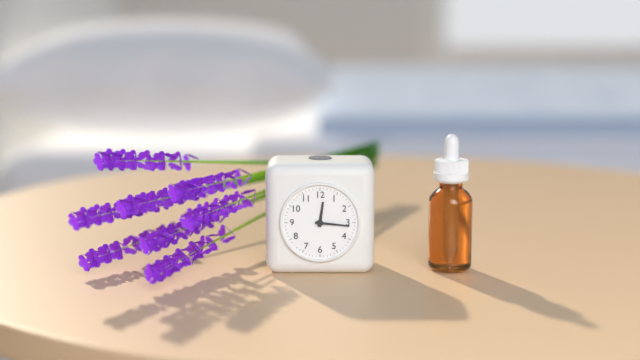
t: 12:16
